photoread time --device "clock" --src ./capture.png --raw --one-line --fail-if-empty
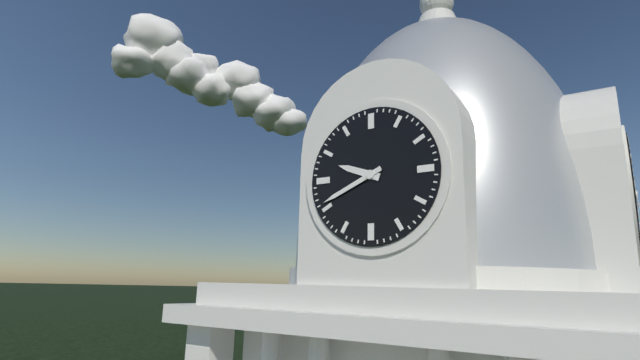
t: 9:41
